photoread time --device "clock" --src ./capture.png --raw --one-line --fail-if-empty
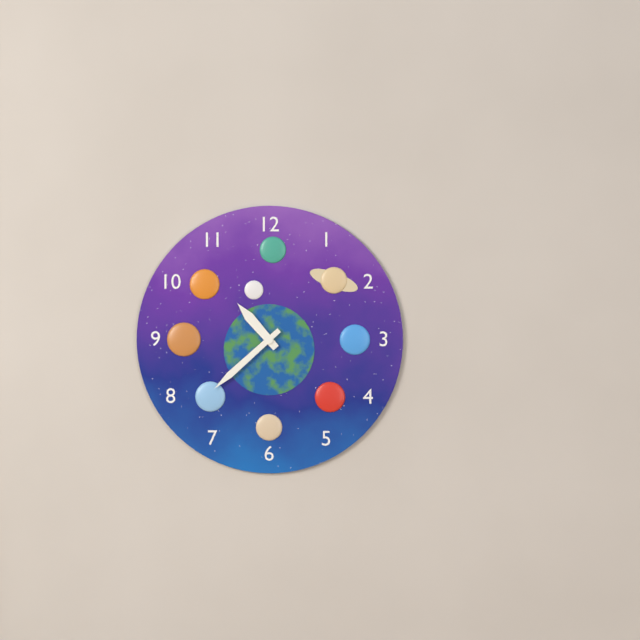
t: 10:38
